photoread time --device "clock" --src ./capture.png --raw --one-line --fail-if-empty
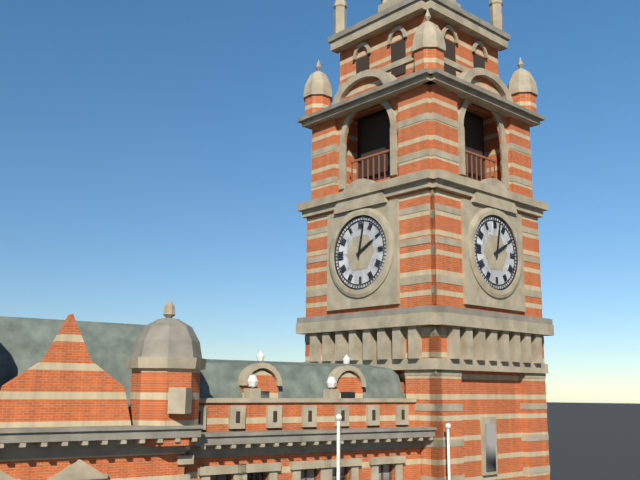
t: 2:02
